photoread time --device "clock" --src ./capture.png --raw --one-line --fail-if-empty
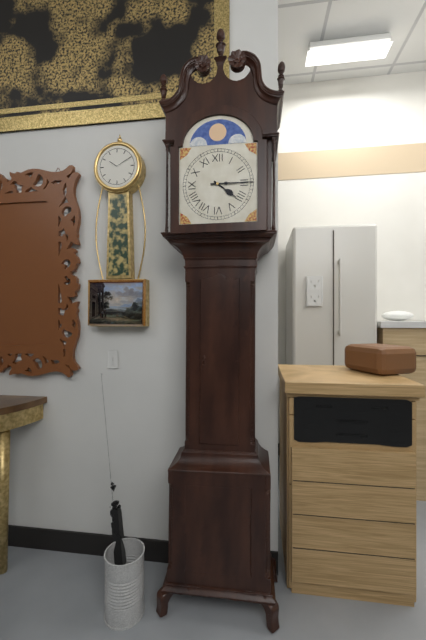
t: 4:15
